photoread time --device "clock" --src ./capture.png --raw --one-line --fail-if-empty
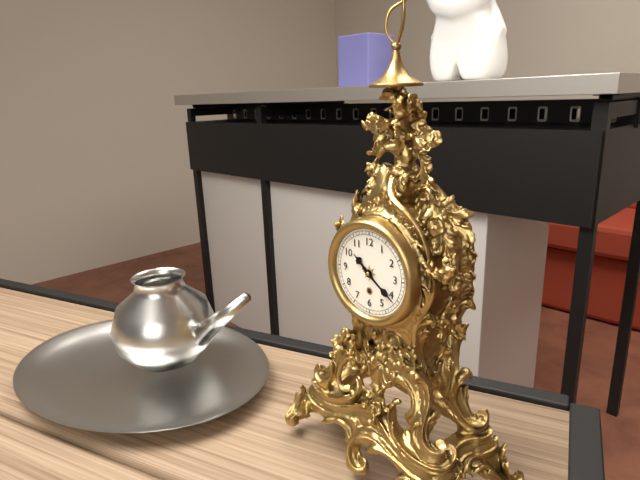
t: 10:21
